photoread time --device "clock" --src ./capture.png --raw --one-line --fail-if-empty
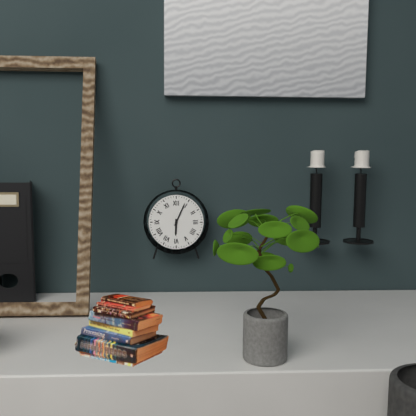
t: 6:04
